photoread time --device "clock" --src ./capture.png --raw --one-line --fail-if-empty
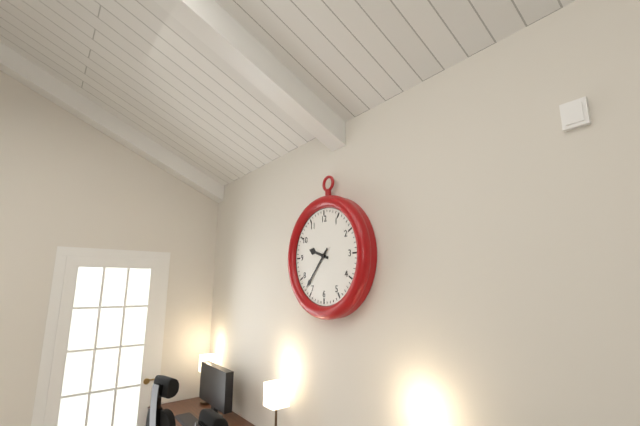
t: 9:37
